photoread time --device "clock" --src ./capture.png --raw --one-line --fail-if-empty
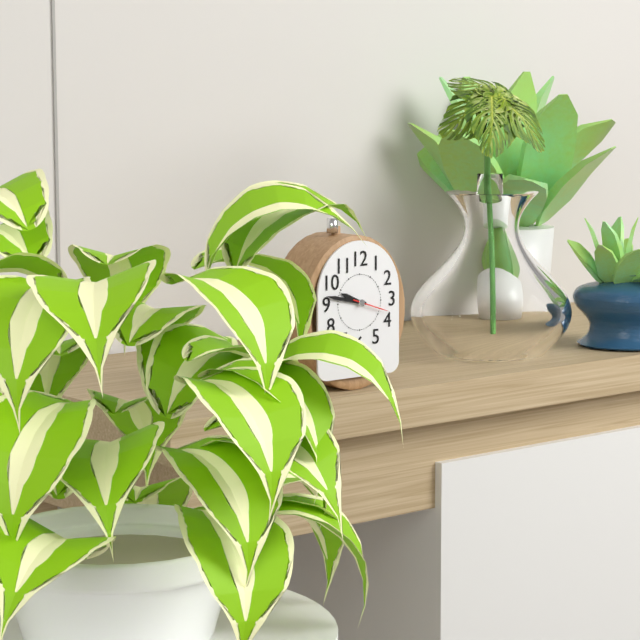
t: 9:47
